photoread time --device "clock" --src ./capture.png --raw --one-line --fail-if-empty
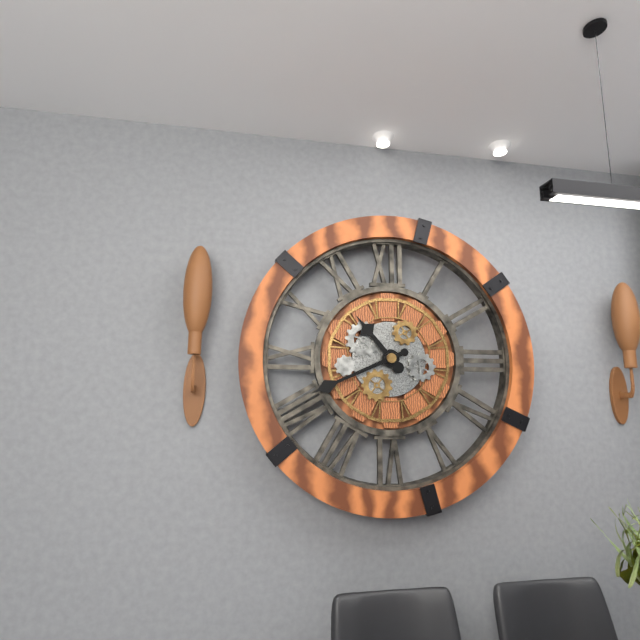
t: 10:41
